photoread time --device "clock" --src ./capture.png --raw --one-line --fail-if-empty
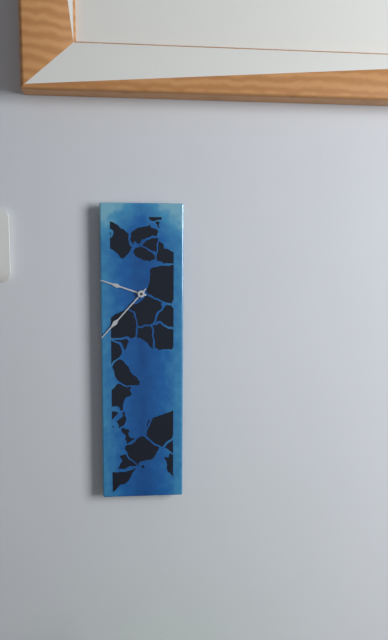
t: 9:37
